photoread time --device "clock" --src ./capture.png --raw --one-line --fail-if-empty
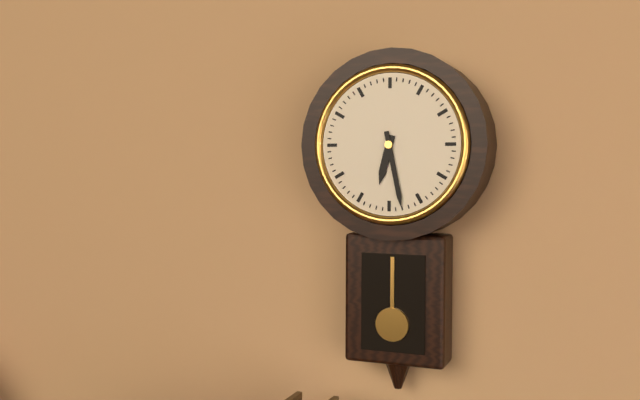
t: 6:28
